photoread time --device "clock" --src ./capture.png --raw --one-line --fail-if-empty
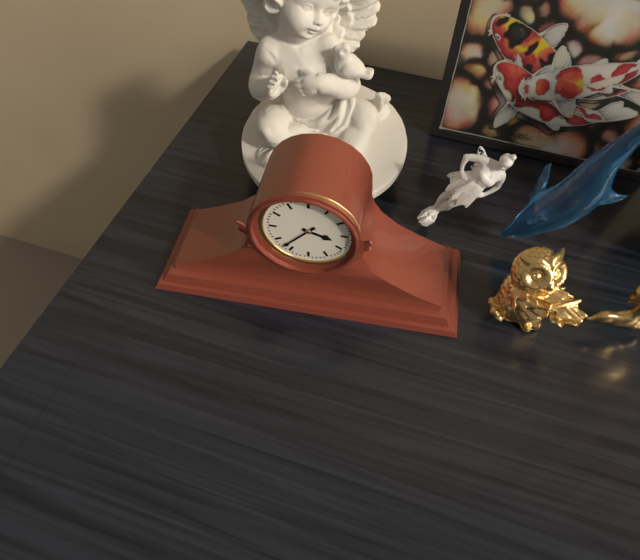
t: 3:37
